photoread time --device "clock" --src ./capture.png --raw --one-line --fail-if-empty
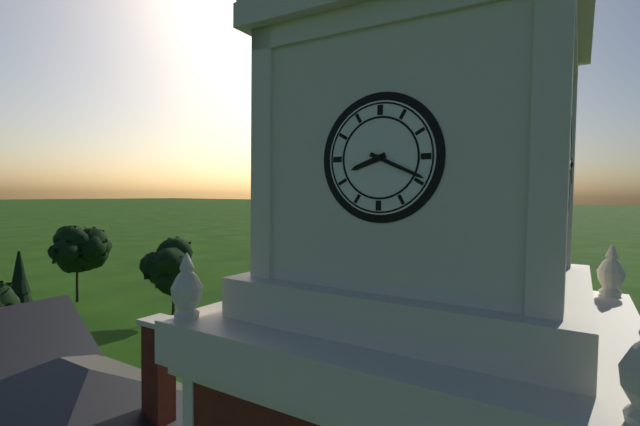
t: 8:19
